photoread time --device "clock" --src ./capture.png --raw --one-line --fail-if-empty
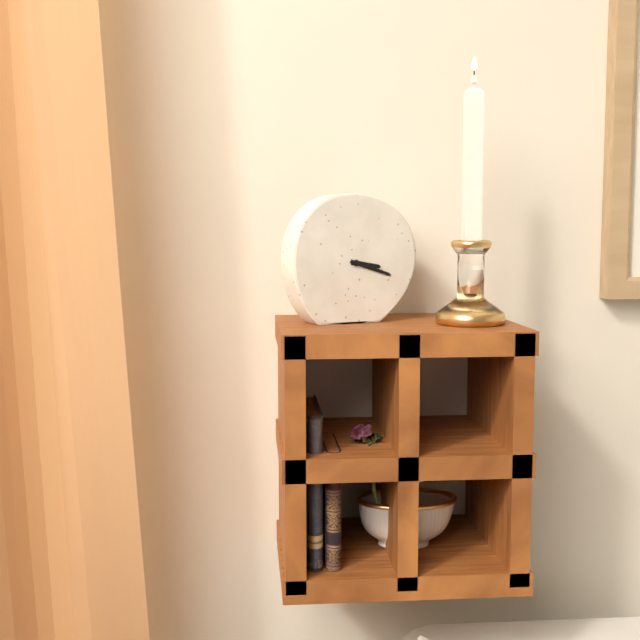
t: 3:18
